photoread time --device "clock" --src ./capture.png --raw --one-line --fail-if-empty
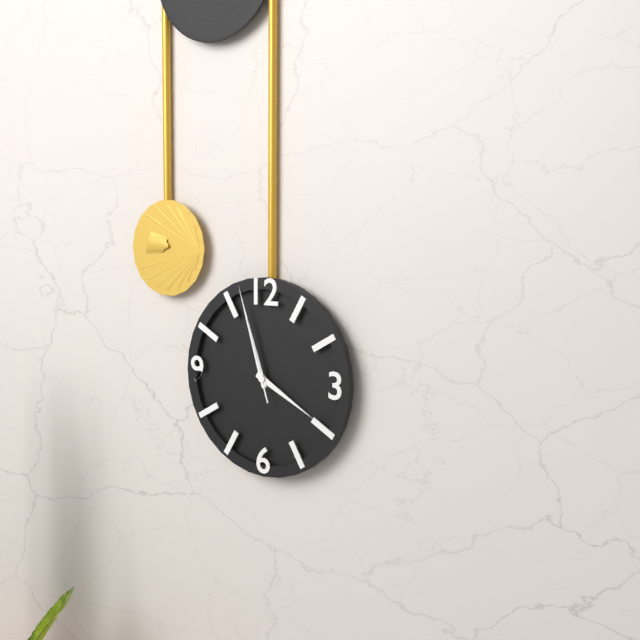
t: 3:57:57
